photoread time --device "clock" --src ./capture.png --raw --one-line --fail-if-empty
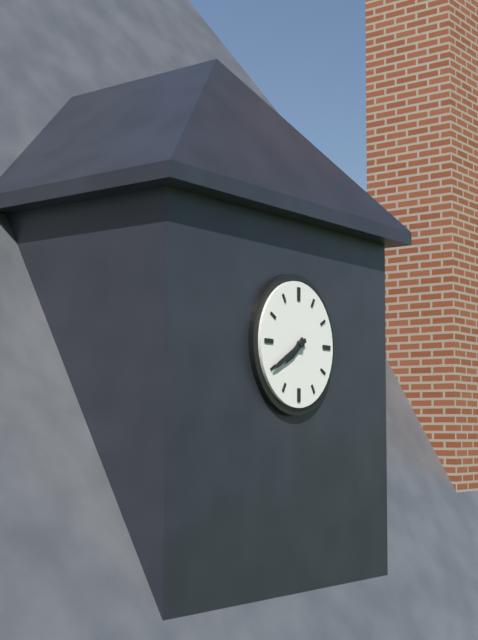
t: 7:40
